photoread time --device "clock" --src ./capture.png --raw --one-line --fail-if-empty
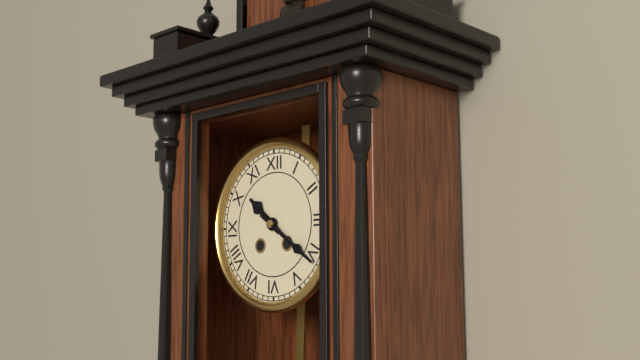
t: 10:21
